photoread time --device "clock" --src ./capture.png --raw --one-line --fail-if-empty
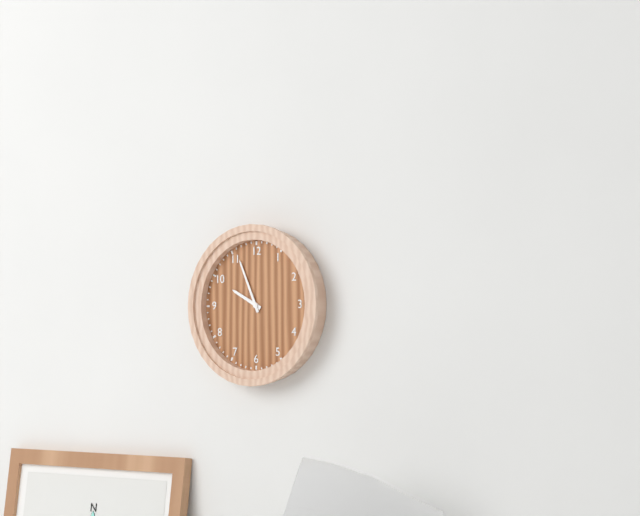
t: 9:56
